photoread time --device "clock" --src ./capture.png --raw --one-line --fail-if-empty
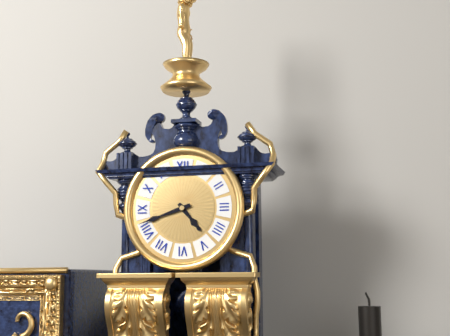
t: 4:42
